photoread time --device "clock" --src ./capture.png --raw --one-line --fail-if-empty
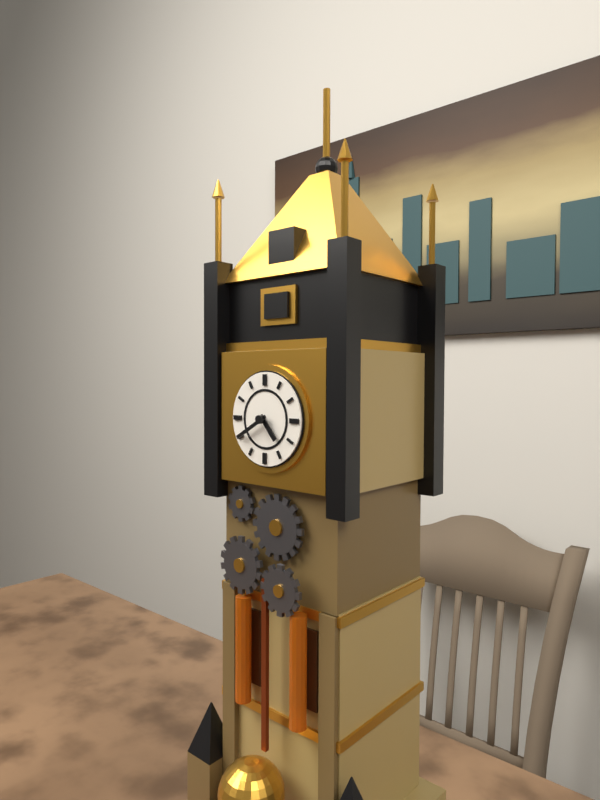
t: 4:40
